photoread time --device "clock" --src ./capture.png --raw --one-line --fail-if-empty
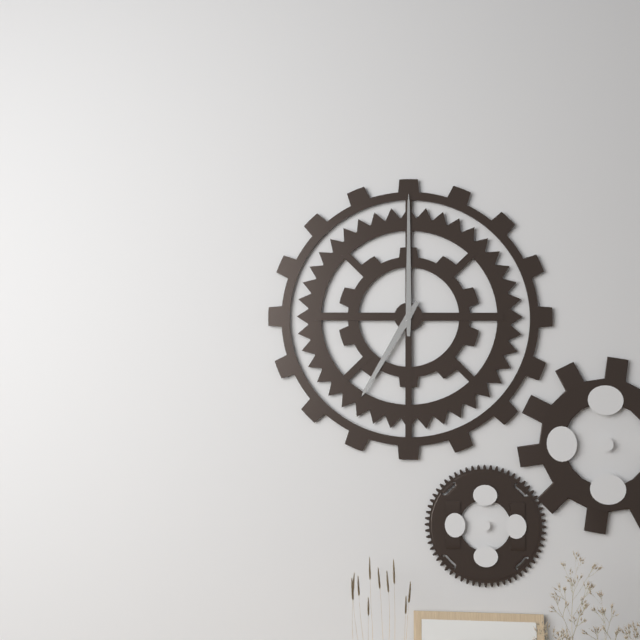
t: 7:00
